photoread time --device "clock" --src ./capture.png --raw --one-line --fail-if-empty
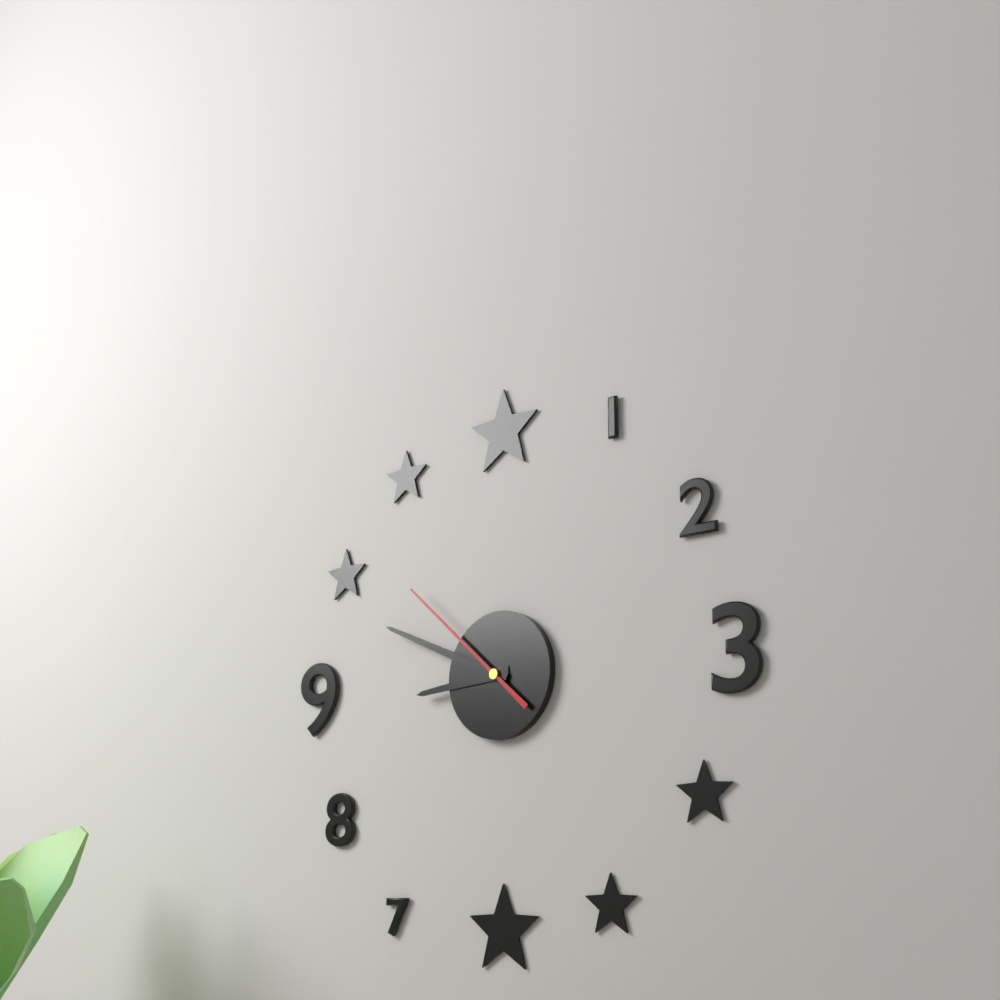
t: 8:49:52
